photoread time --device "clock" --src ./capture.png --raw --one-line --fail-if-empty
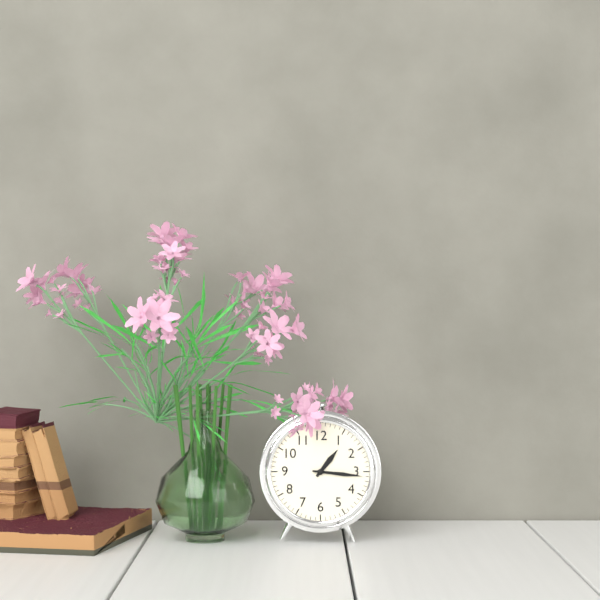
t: 1:16
